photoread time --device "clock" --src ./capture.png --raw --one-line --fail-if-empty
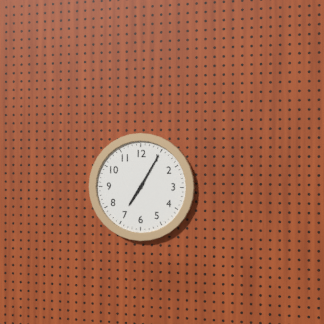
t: 7:05
